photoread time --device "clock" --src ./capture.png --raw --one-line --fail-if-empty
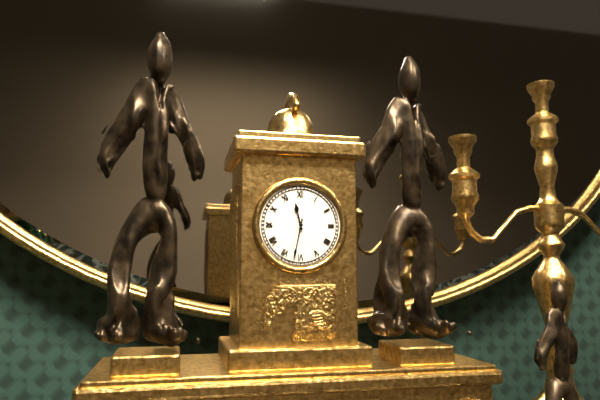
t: 11:32
